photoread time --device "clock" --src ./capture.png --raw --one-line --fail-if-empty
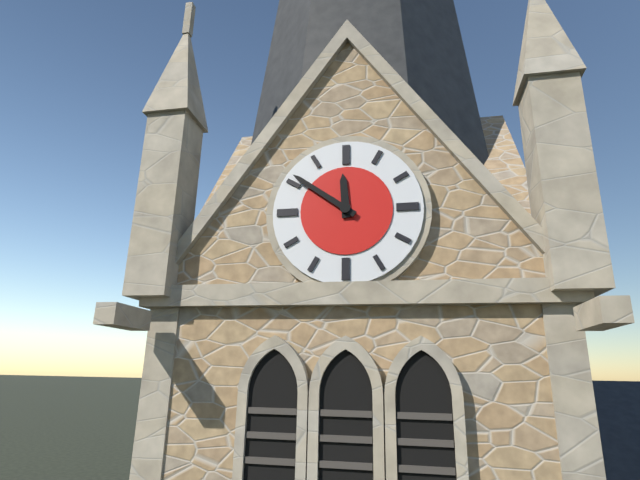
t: 11:51
